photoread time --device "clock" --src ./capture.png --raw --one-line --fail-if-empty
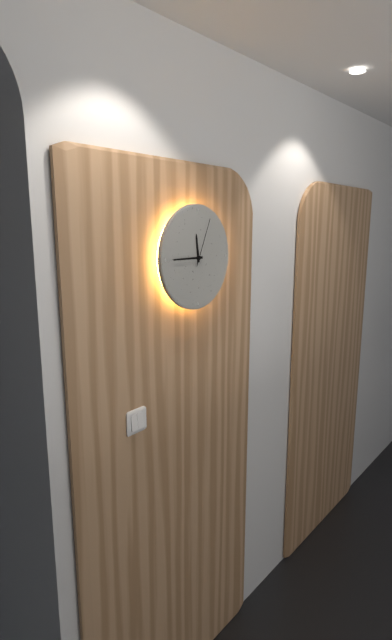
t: 11:45:04
